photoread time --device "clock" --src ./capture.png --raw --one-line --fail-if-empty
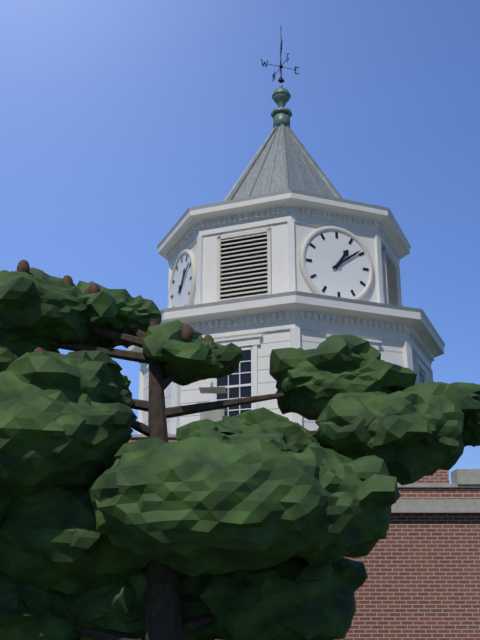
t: 1:09
